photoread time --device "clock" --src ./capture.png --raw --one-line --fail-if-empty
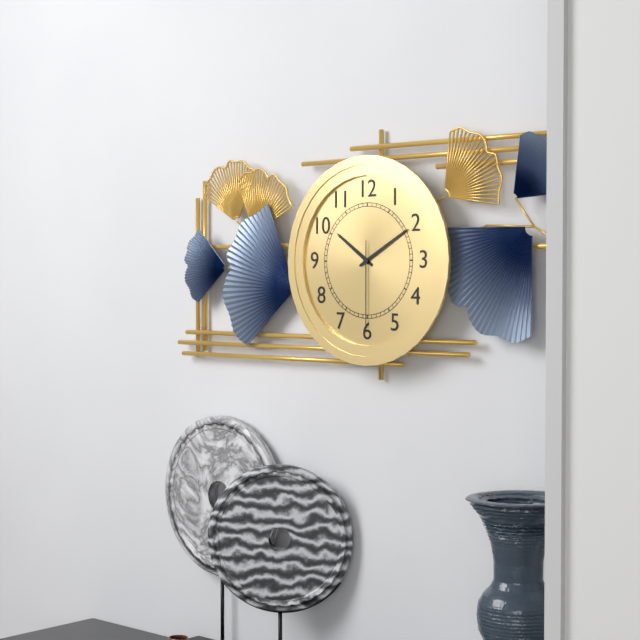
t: 10:10:30
